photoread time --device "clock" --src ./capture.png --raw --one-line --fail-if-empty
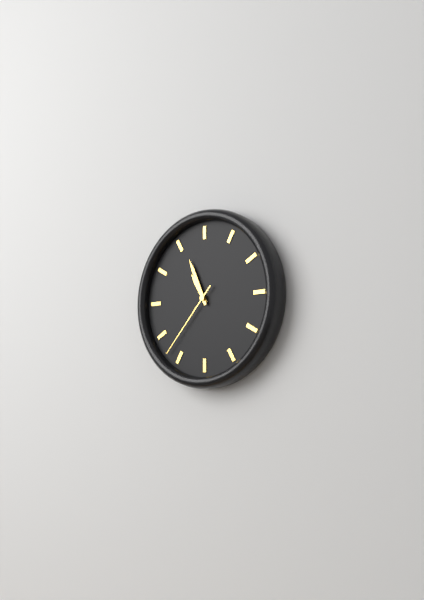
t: 10:56:37
